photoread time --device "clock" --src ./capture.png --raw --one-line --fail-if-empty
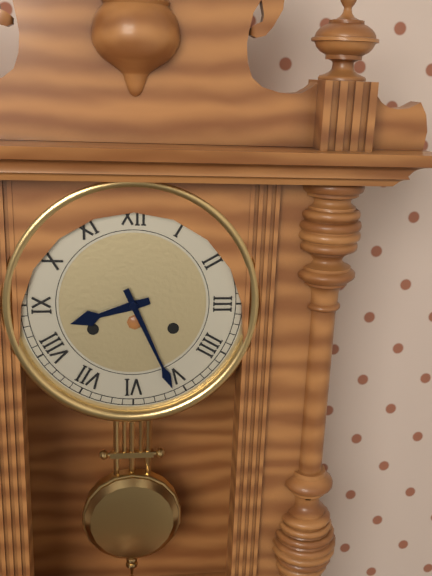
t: 8:26
